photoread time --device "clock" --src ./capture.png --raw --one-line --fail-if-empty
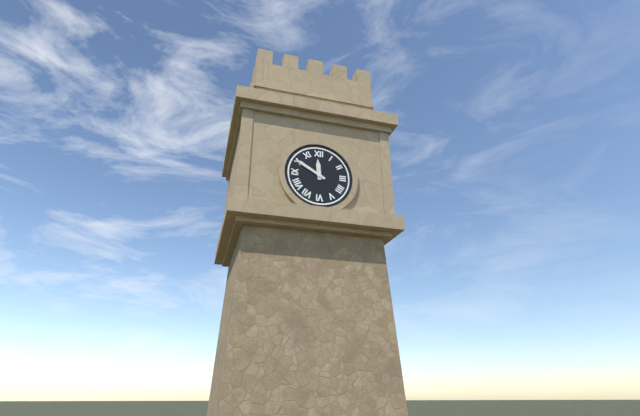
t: 11:50
